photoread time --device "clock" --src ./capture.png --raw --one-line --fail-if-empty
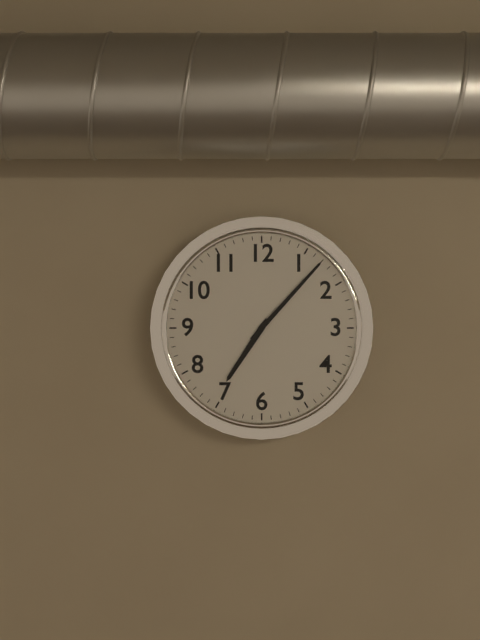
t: 7:07
